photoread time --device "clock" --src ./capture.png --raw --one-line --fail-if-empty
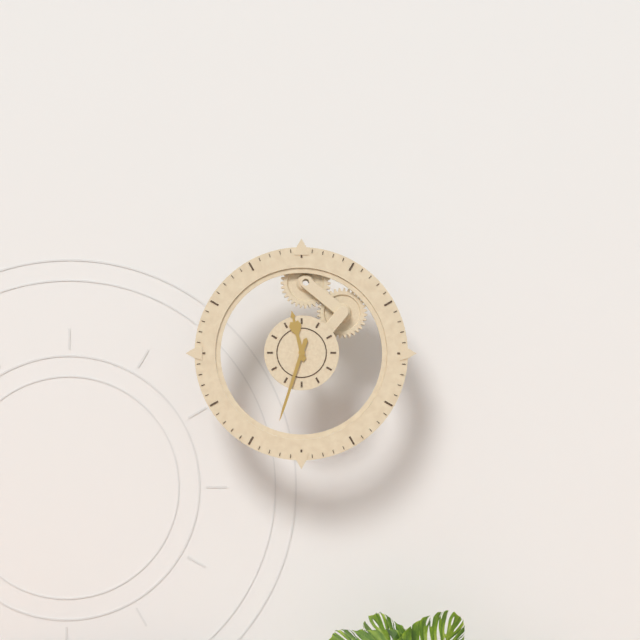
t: 11:33
